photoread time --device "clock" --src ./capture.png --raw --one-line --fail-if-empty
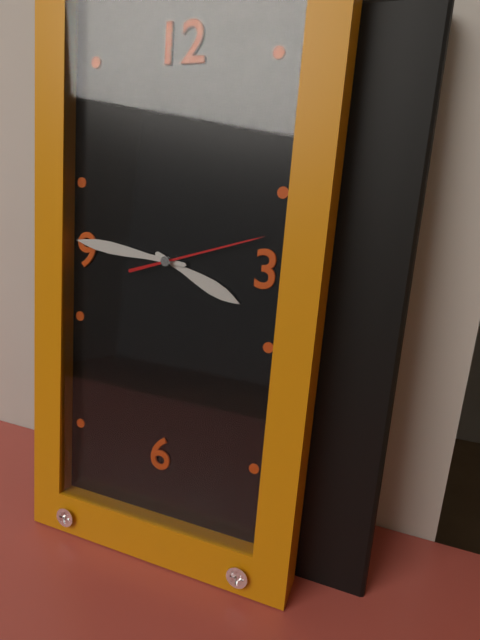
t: 3:46:12
